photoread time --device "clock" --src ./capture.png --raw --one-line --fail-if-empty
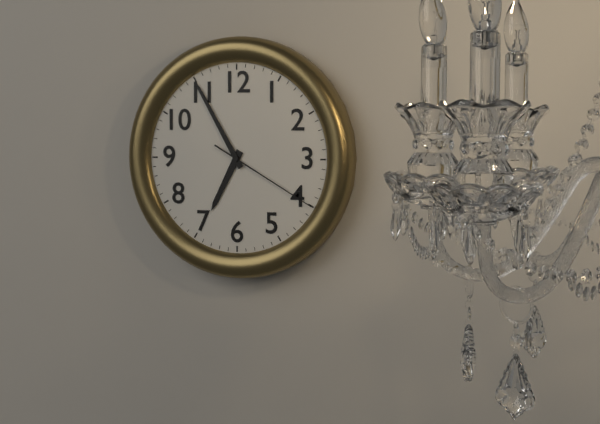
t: 6:55:20
